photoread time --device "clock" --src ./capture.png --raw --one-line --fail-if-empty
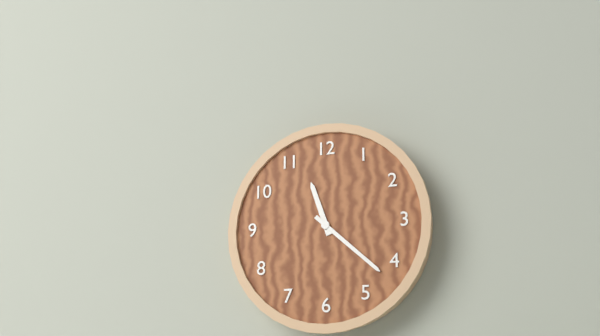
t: 11:22
